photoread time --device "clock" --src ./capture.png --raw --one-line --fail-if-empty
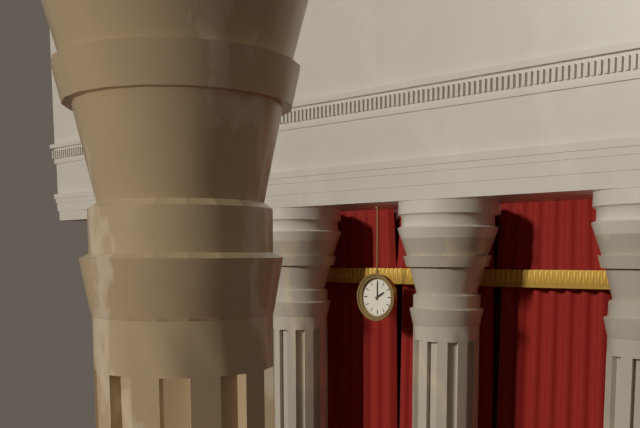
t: 2:00
